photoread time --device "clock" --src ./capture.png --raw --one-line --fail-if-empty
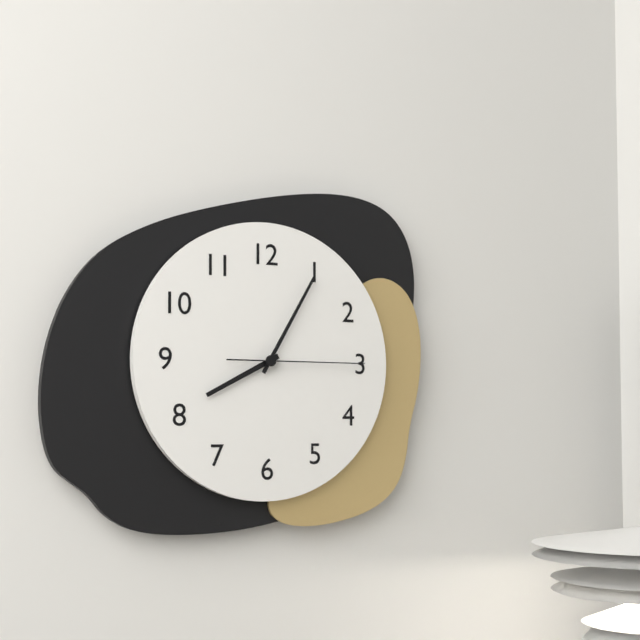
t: 8:05:15
